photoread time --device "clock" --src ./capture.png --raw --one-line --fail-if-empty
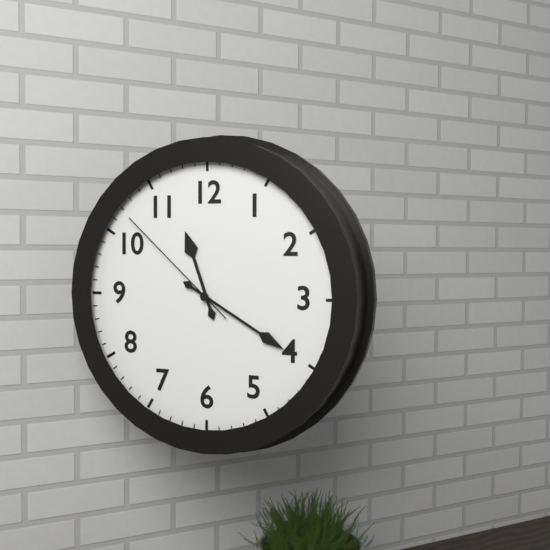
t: 11:20:52
